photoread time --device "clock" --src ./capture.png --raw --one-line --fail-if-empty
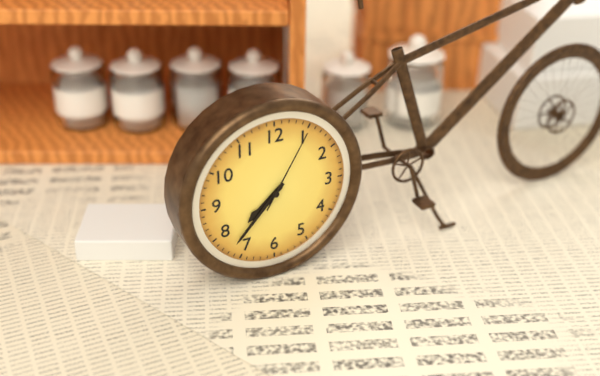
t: 7:37:05
